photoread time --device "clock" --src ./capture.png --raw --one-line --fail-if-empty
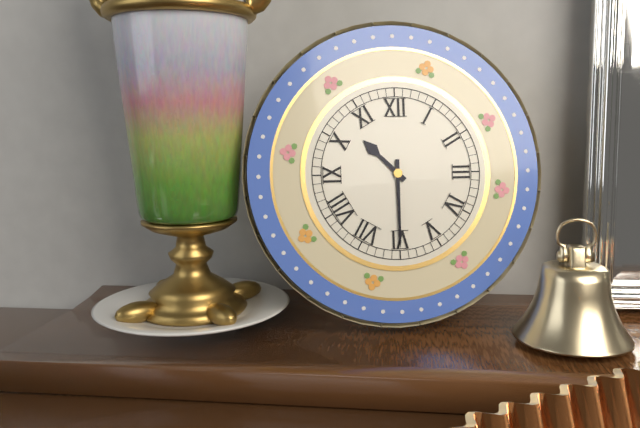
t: 10:30
